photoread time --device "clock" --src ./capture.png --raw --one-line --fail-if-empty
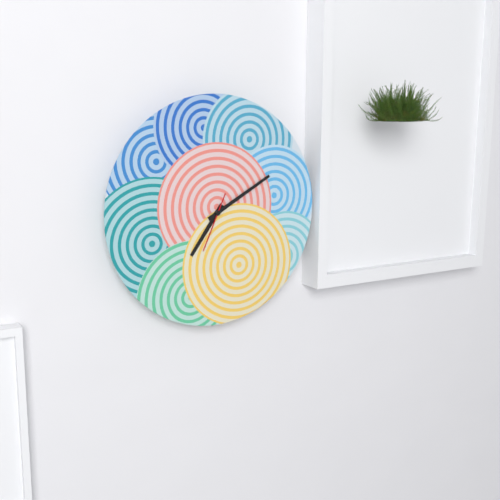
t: 7:10:34
